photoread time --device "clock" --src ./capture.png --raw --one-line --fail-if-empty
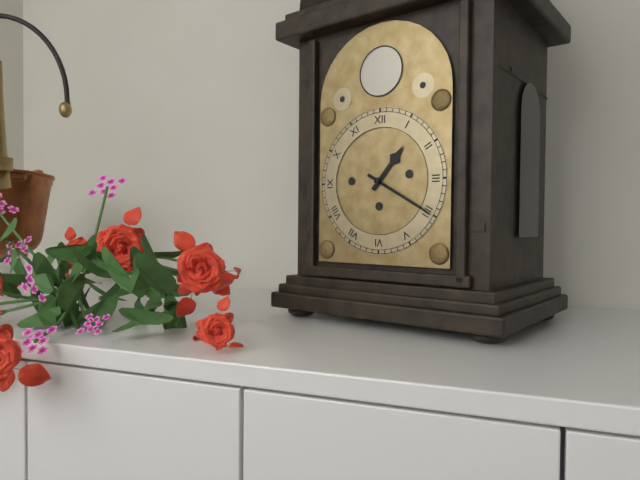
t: 1:20
